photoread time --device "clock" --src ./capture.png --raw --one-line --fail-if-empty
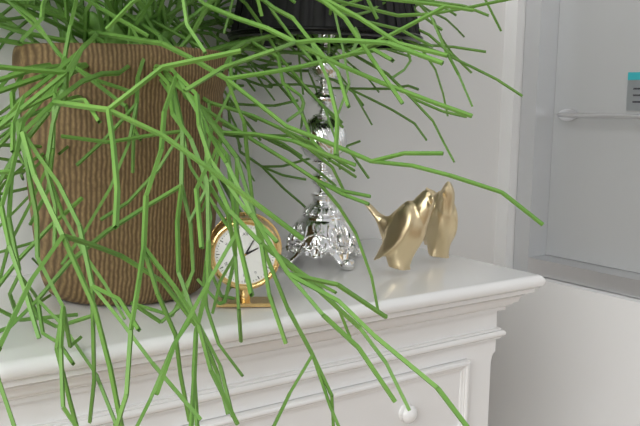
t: 2:05
